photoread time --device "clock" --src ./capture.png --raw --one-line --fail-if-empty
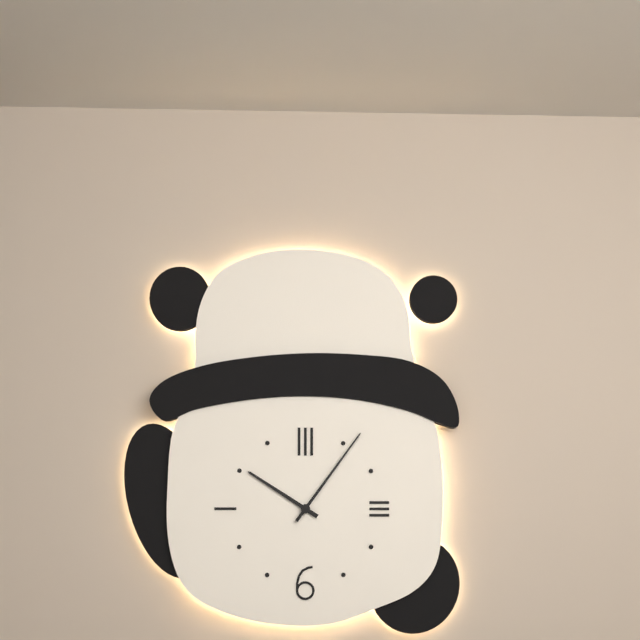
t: 10:06
